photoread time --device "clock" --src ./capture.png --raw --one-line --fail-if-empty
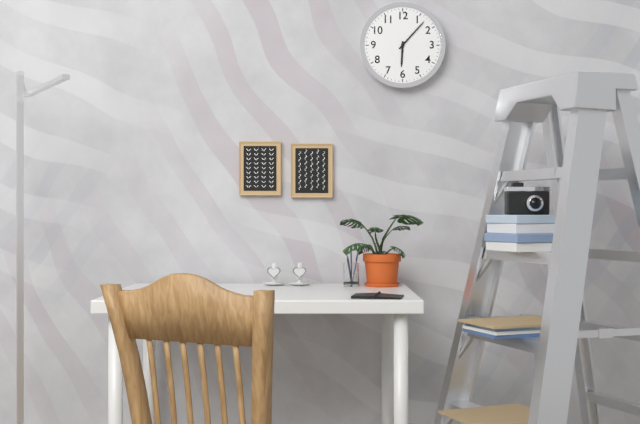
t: 6:07
